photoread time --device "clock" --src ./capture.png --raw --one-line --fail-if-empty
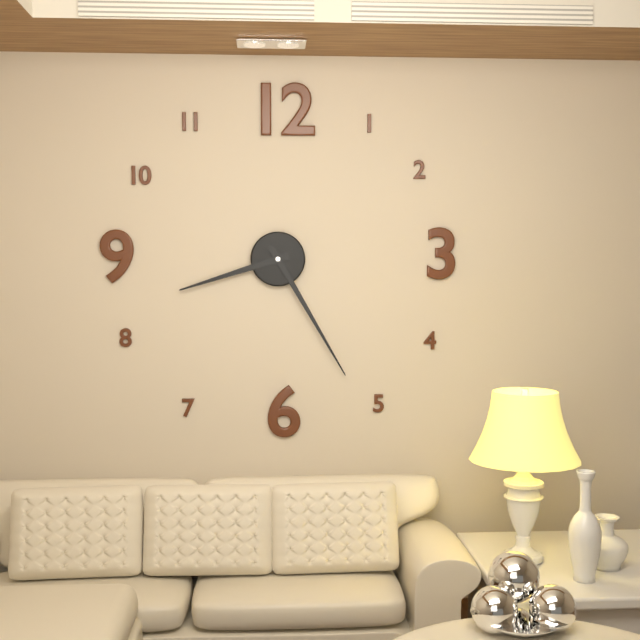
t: 8:25
